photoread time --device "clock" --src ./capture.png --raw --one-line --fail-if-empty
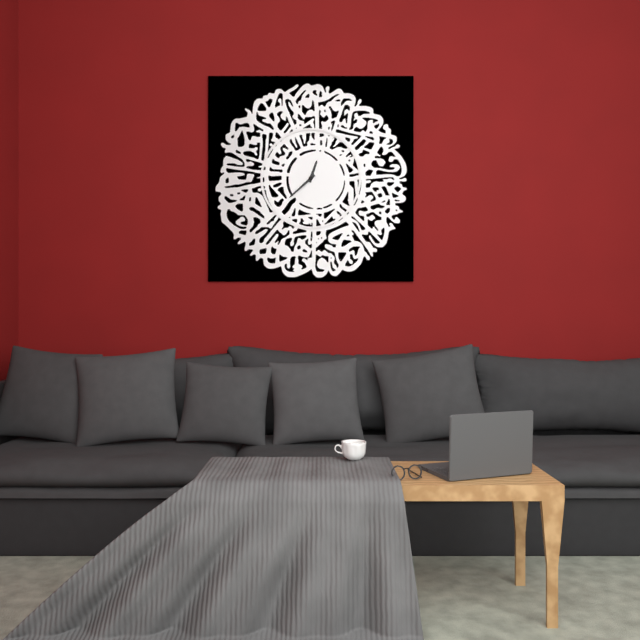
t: 12:38
